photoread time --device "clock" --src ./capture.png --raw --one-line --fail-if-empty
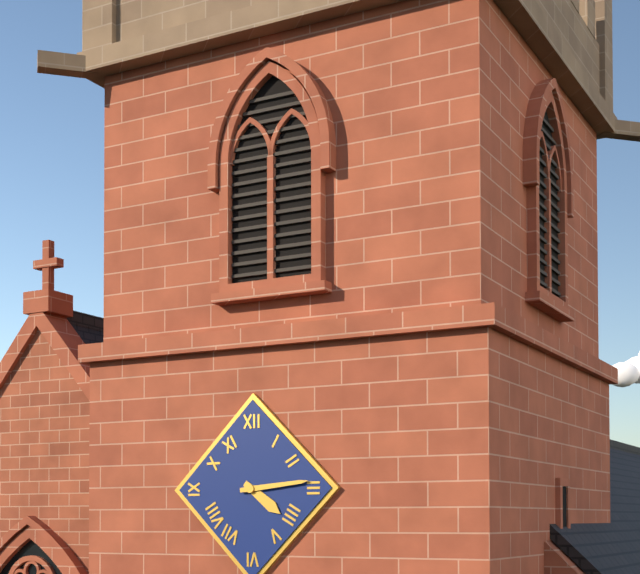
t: 4:14
